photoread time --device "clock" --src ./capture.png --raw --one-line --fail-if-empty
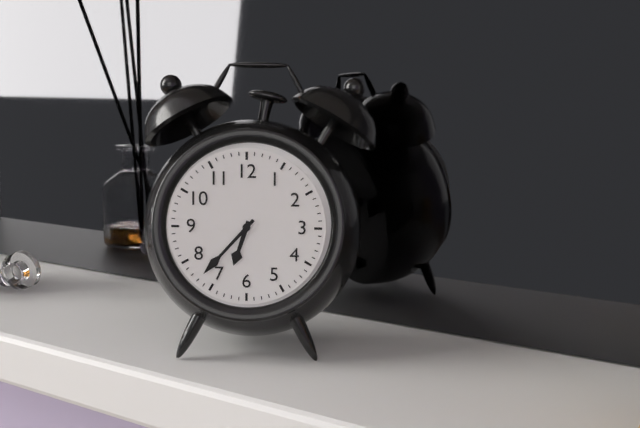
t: 6:37
